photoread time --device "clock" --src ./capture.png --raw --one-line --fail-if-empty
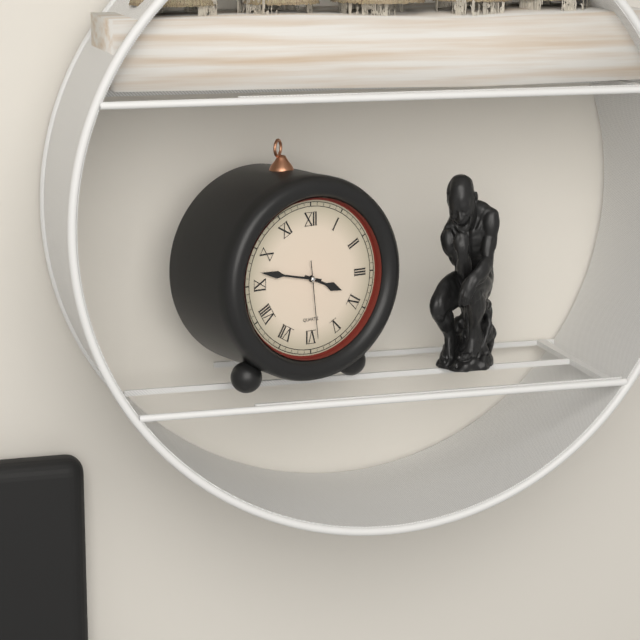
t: 3:47:29
